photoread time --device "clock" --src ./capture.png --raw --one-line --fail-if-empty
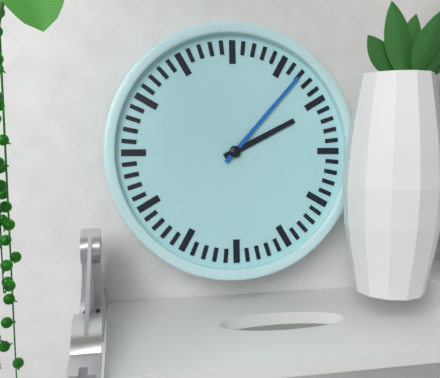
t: 2:07
